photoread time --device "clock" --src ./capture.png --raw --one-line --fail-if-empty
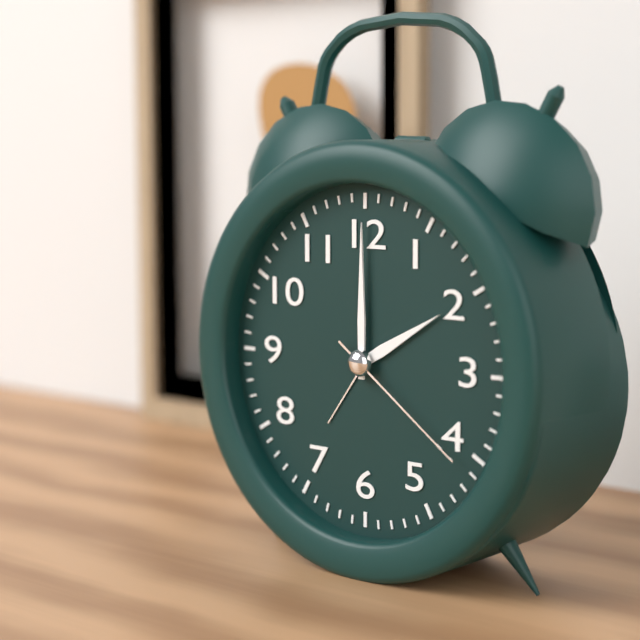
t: 2:00:21
